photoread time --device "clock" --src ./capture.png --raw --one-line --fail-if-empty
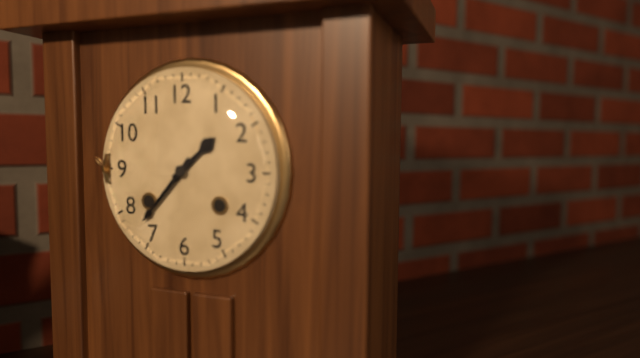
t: 1:37
